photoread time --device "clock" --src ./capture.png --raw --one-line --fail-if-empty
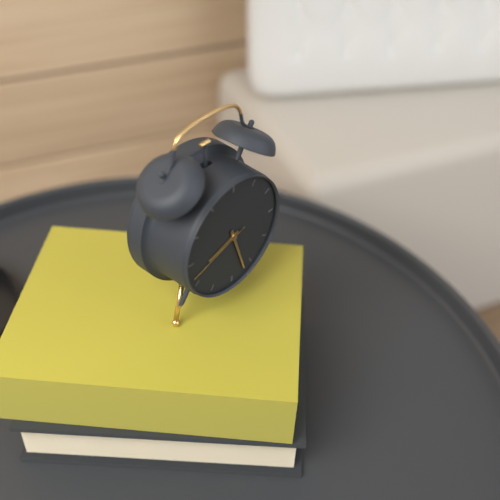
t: 8:27:42
